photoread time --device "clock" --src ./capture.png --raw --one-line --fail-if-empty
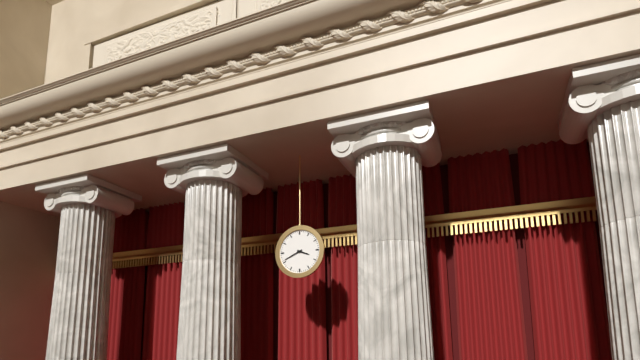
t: 3:41
